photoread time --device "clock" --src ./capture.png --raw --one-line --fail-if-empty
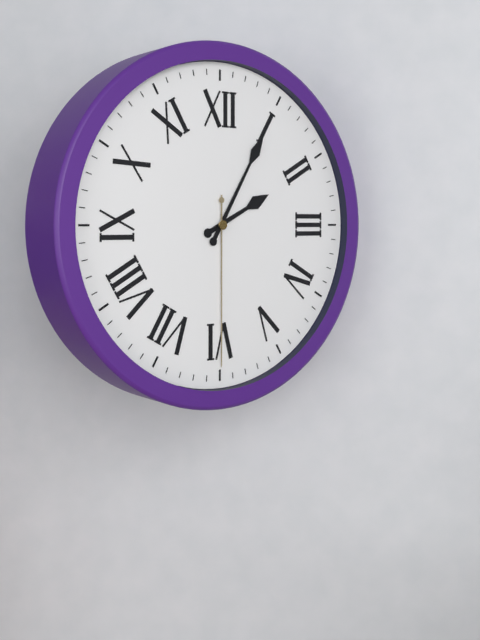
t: 2:05:30
